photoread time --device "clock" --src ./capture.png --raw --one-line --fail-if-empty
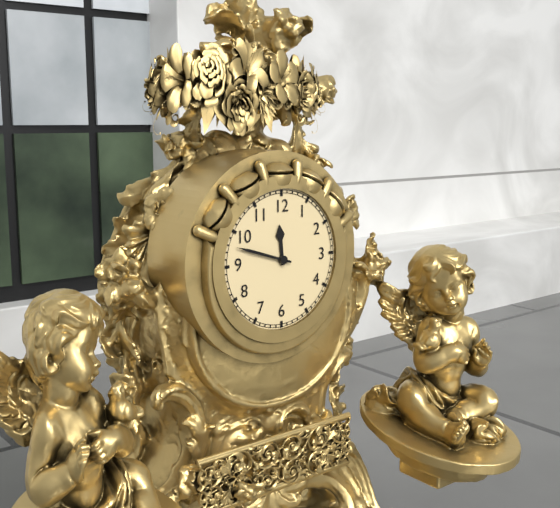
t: 11:48
